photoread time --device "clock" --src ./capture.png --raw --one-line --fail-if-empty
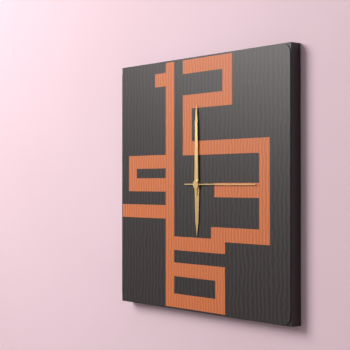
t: 6:00:15
